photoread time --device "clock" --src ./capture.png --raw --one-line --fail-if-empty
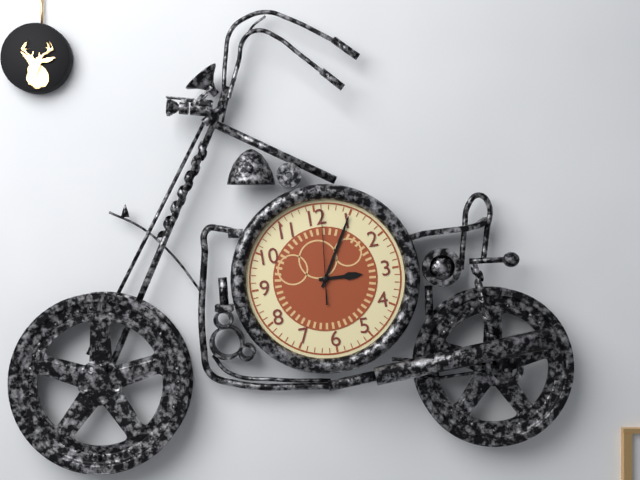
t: 3:05:01
